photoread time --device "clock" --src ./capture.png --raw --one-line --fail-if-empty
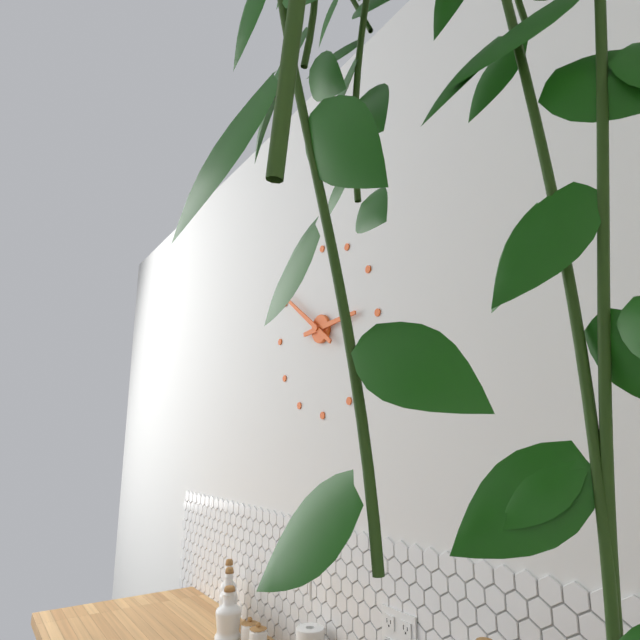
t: 2:51
